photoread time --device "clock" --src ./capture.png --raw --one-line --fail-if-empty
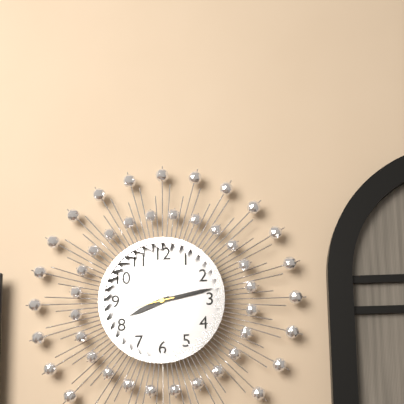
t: 8:13:43
